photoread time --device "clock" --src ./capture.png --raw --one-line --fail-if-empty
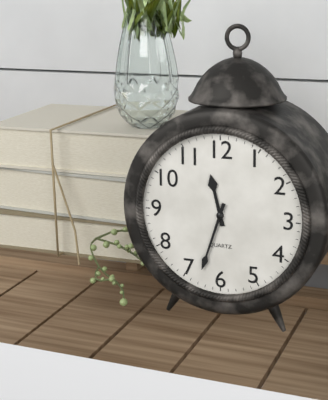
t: 11:33
